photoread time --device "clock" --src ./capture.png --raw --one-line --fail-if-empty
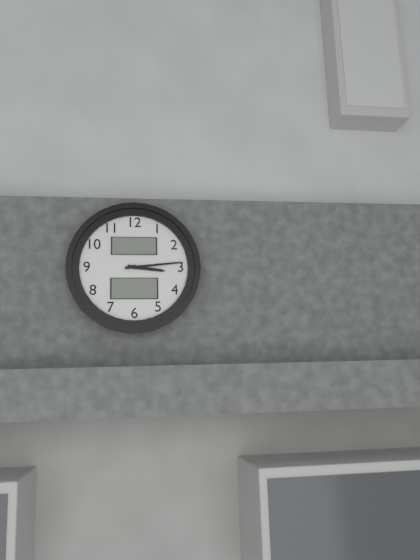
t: 3:14
